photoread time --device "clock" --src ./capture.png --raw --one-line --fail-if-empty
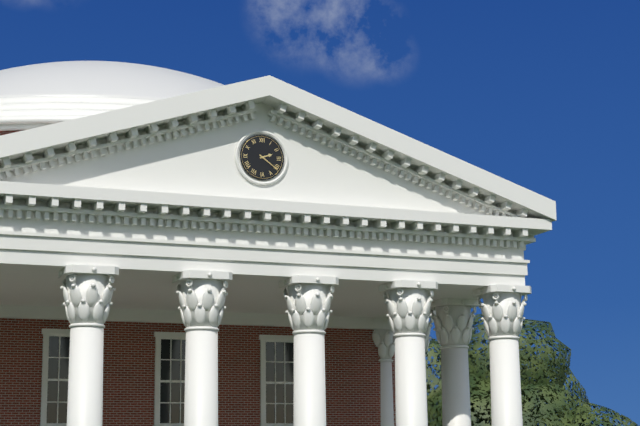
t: 2:21
